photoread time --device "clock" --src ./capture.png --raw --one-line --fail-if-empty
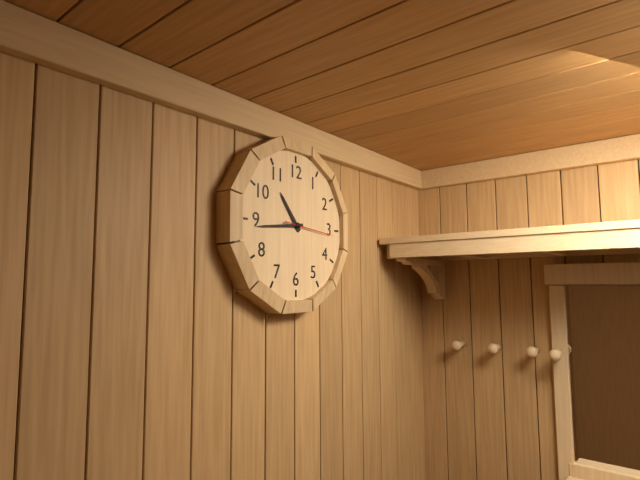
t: 10:44
